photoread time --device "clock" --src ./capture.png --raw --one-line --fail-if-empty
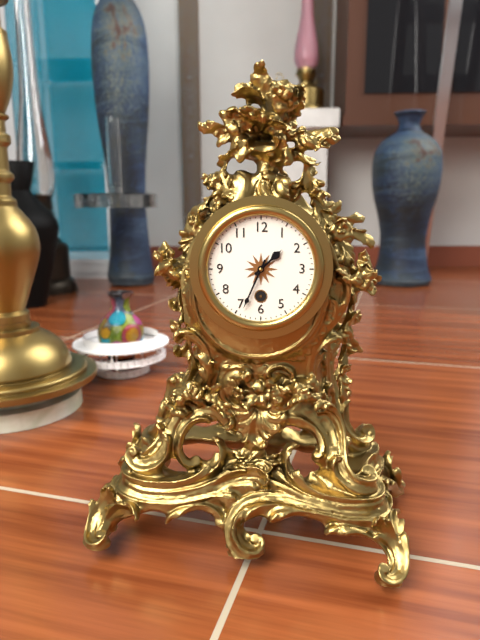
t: 1:34
